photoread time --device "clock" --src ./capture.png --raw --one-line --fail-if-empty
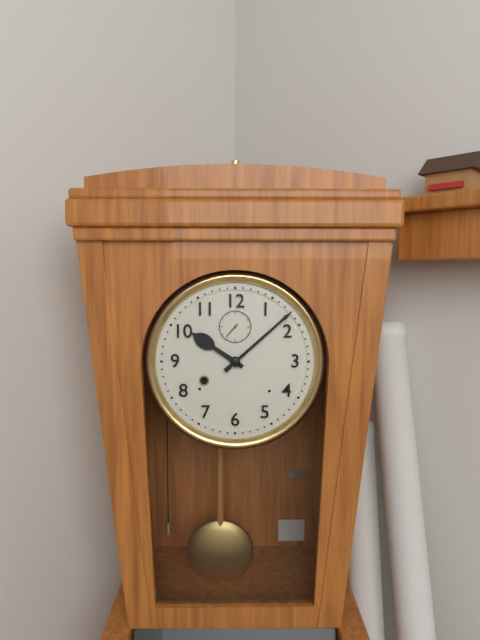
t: 10:08
